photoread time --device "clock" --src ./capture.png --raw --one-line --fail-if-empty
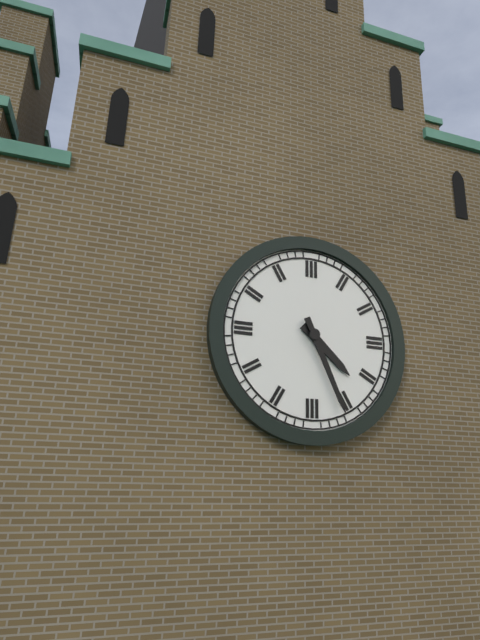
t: 4:26
